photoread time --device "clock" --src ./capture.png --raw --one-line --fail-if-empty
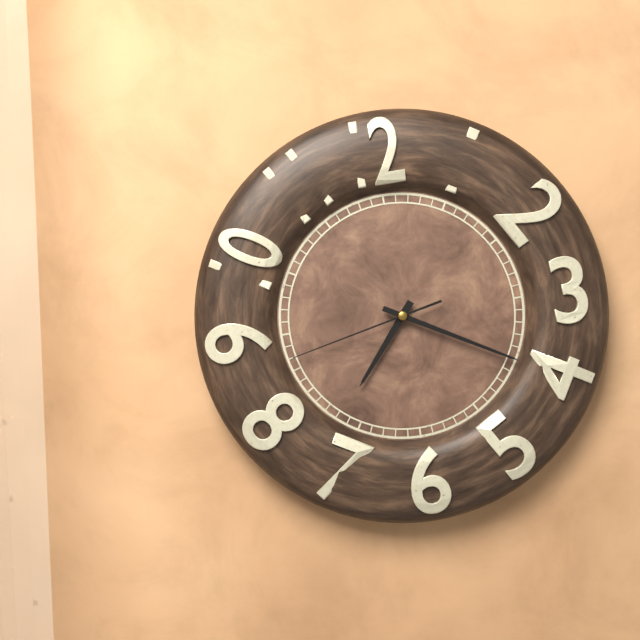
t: 7:20:43
